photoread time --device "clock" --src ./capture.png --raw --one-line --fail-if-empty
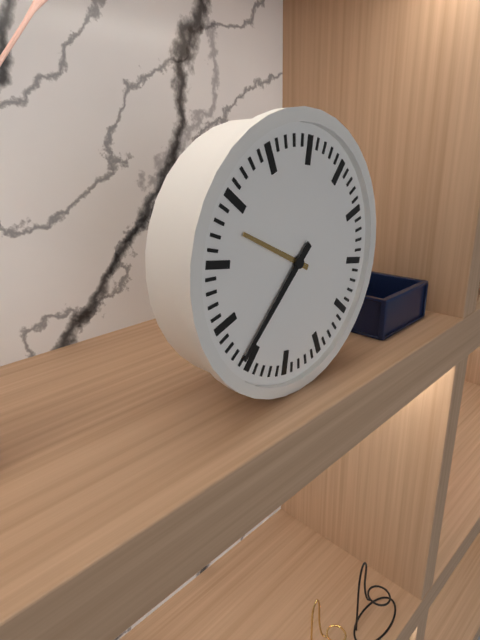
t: 9:36
